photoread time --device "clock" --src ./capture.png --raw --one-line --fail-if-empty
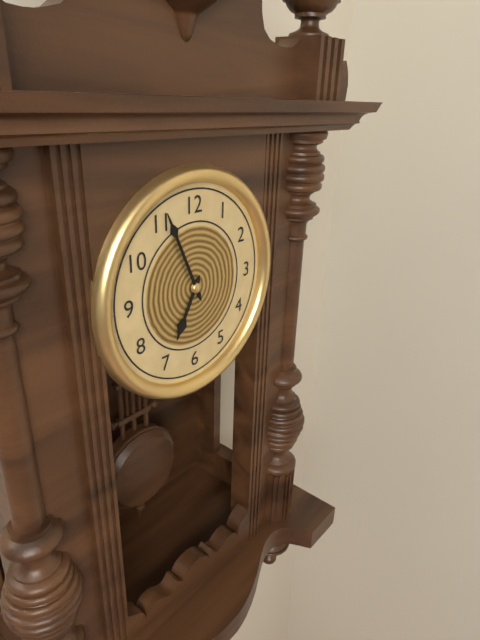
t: 6:56
